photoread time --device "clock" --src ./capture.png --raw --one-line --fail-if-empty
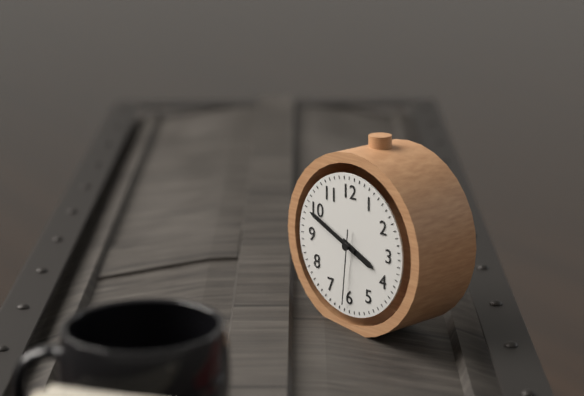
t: 3:49:31
